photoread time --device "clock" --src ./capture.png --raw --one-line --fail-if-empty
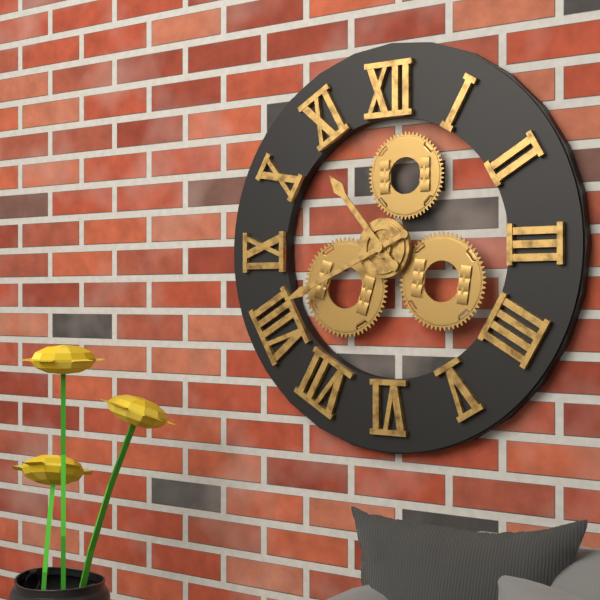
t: 10:41
